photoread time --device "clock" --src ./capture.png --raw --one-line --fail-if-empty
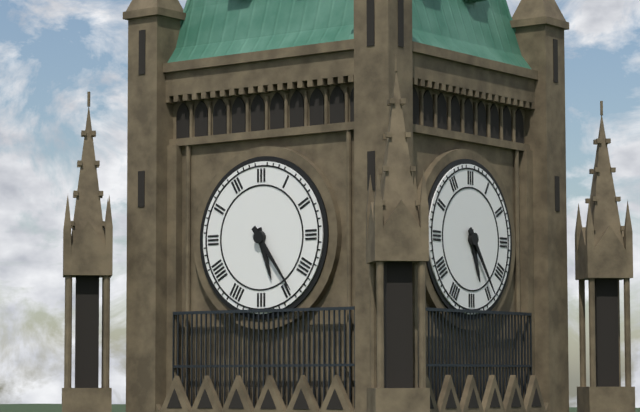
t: 5:24
